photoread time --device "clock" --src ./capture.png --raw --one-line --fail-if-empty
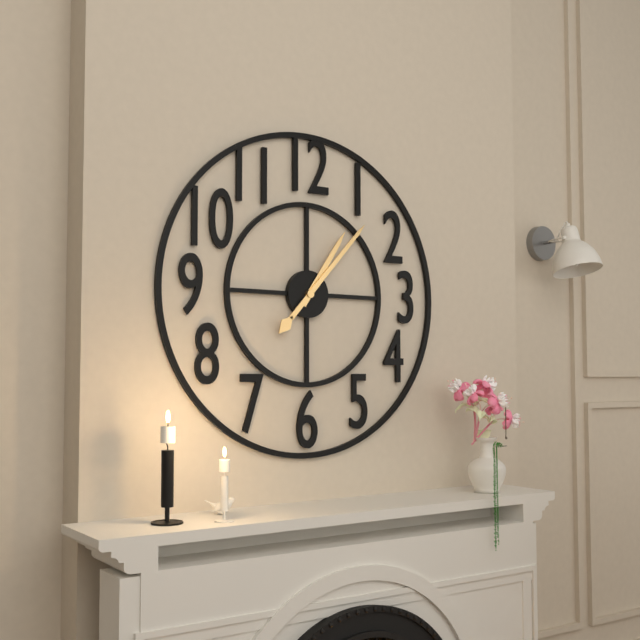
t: 1:07
